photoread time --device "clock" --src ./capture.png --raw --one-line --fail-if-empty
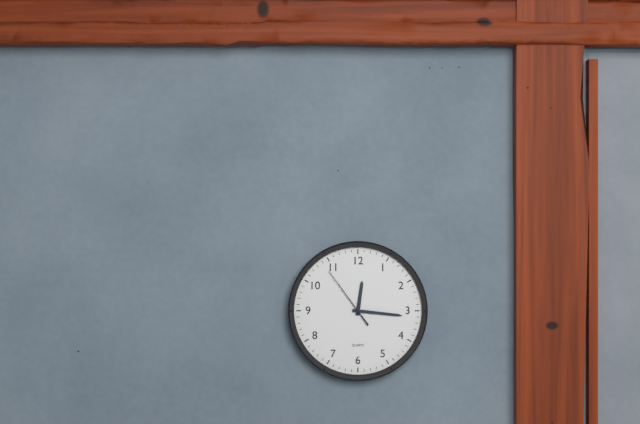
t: 12:16:54
